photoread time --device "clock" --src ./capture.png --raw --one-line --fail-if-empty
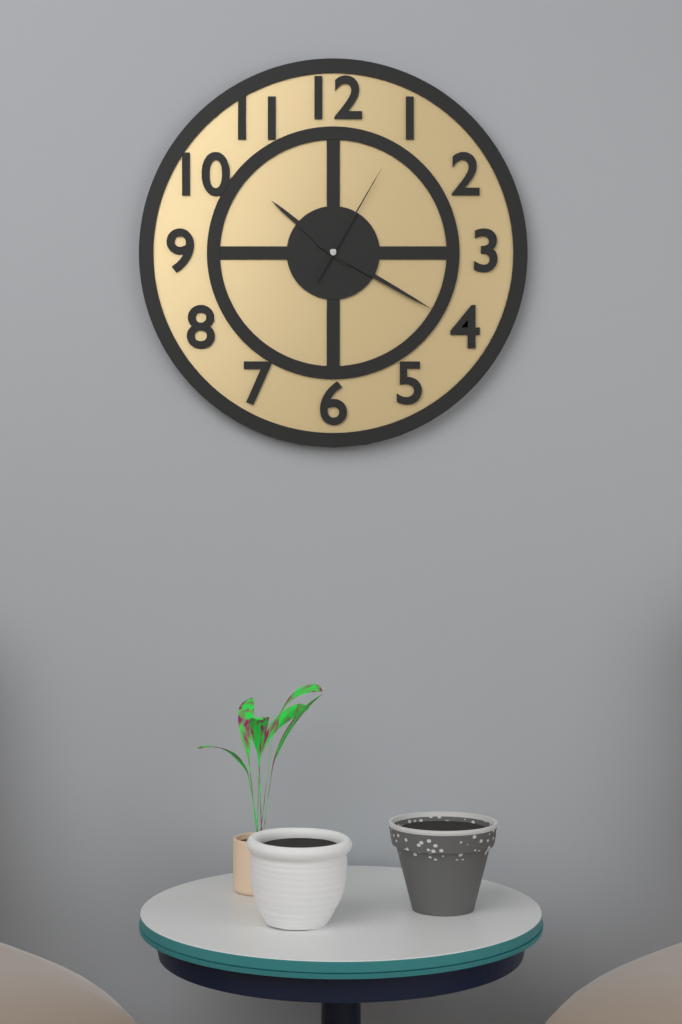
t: 10:20:05
